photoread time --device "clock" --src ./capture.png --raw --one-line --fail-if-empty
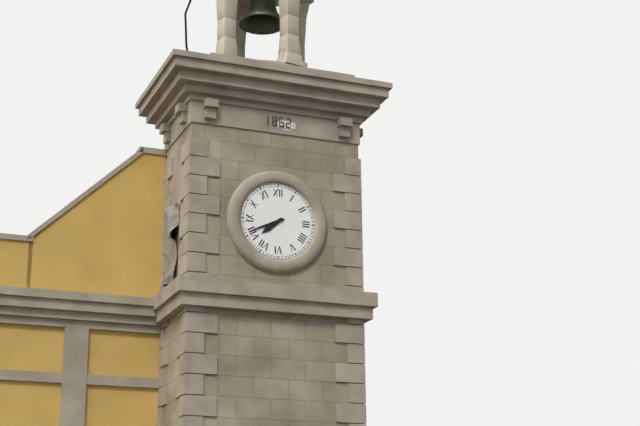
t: 7:41
